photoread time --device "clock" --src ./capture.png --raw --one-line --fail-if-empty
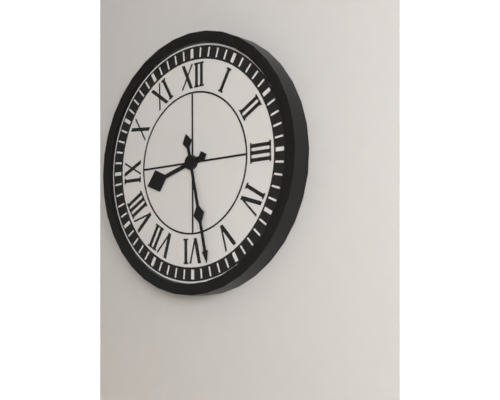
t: 8:28
